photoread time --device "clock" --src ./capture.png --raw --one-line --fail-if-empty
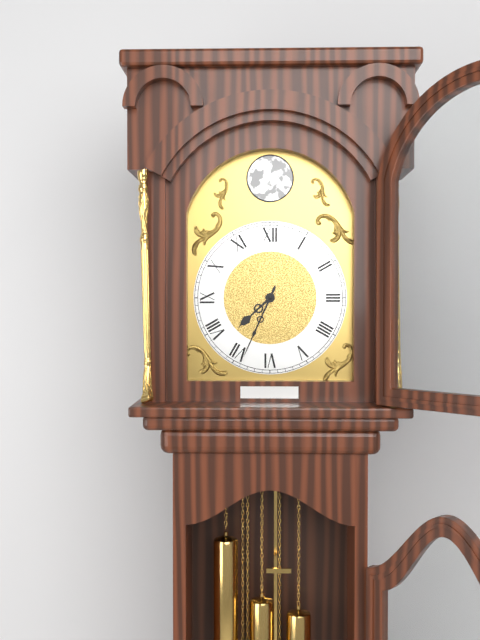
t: 7:34
